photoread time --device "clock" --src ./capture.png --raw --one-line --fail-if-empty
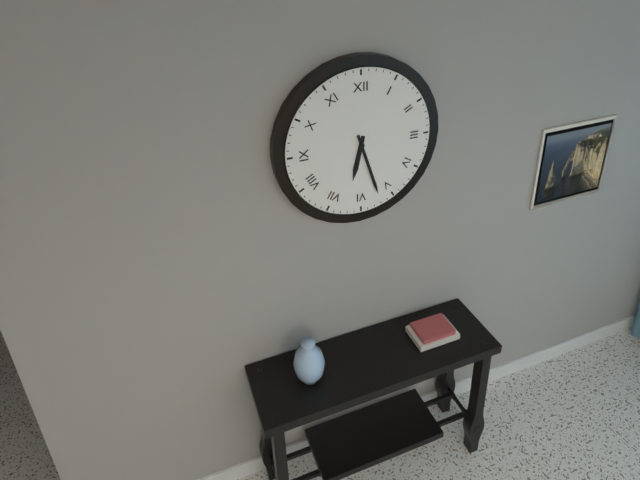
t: 6:27
